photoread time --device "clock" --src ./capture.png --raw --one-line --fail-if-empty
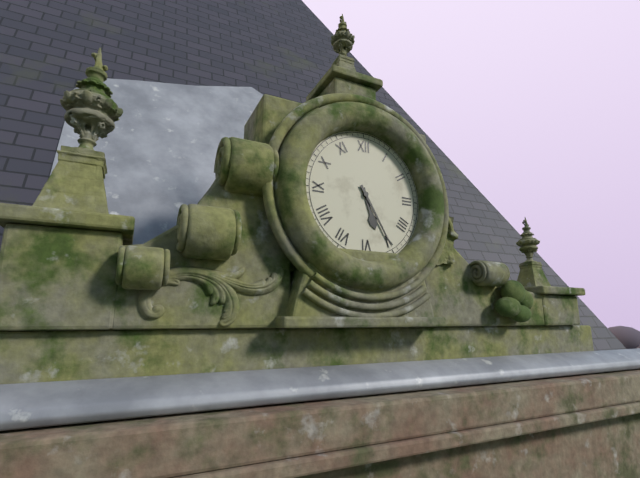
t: 5:25
